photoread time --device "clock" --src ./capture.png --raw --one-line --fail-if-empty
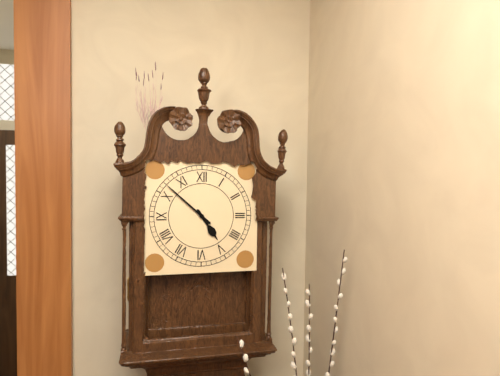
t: 4:52
